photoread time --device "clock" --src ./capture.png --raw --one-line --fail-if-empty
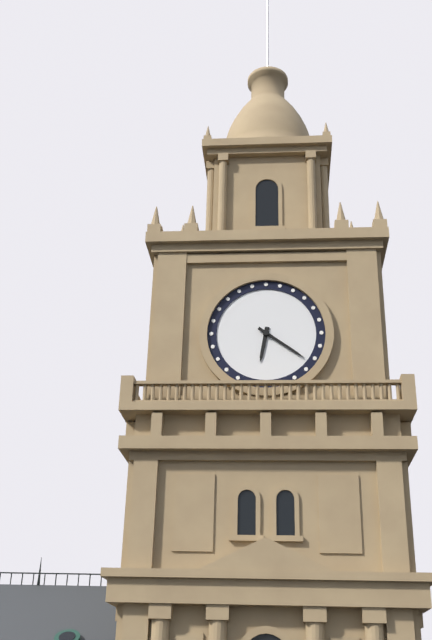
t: 6:21
